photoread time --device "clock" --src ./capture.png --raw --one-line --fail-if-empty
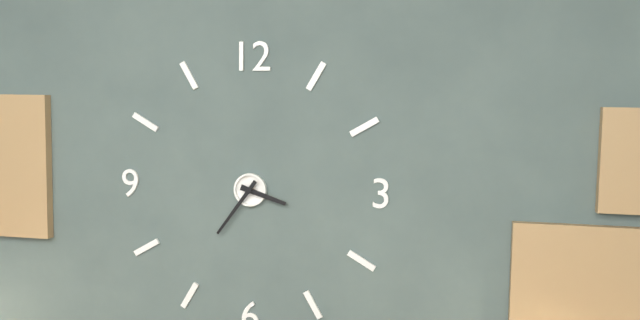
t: 3:36
